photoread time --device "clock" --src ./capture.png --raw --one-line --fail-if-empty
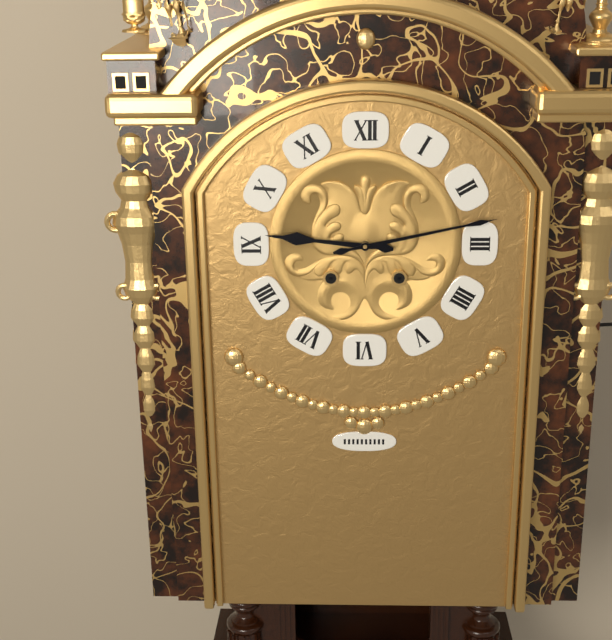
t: 9:13
